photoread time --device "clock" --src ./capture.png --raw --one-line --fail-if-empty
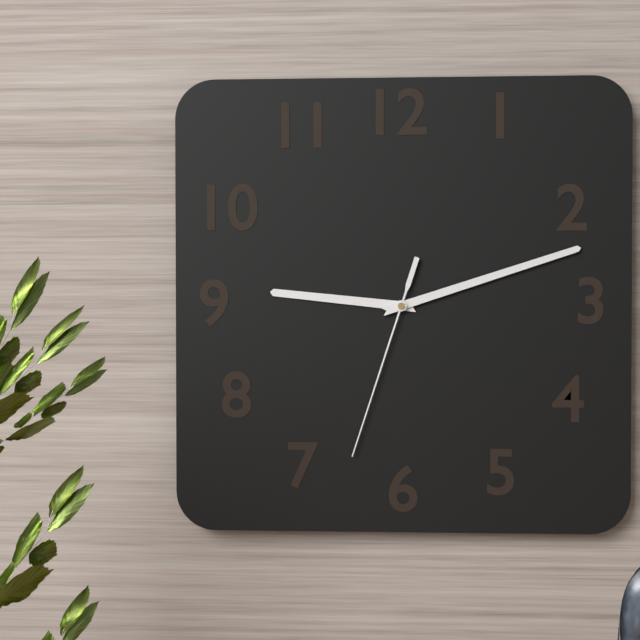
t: 9:12:33
